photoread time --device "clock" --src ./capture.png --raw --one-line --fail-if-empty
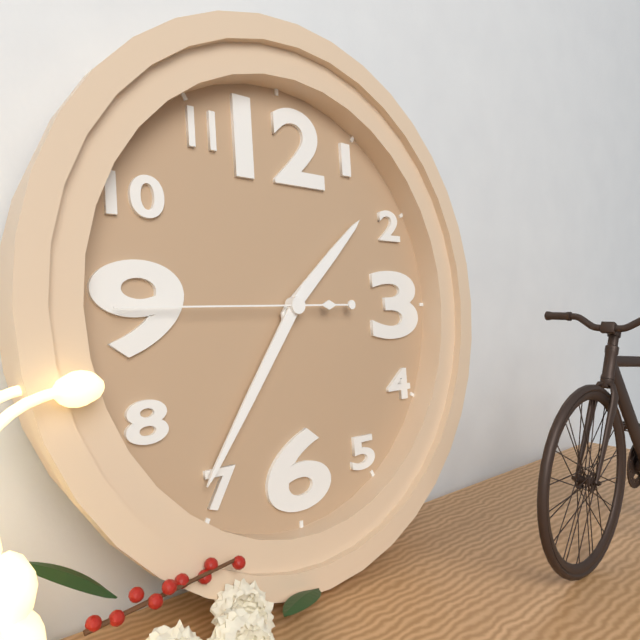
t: 1:36:45
